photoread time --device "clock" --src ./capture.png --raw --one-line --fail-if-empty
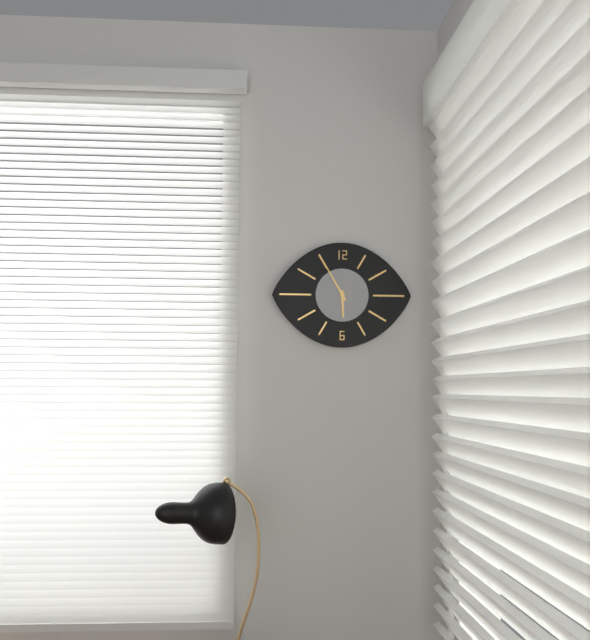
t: 5:55
